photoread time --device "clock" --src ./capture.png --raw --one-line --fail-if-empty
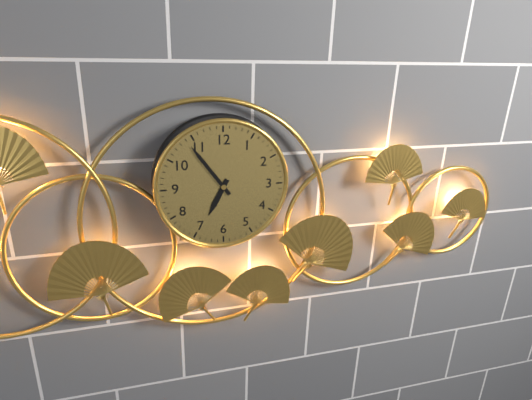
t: 6:54
